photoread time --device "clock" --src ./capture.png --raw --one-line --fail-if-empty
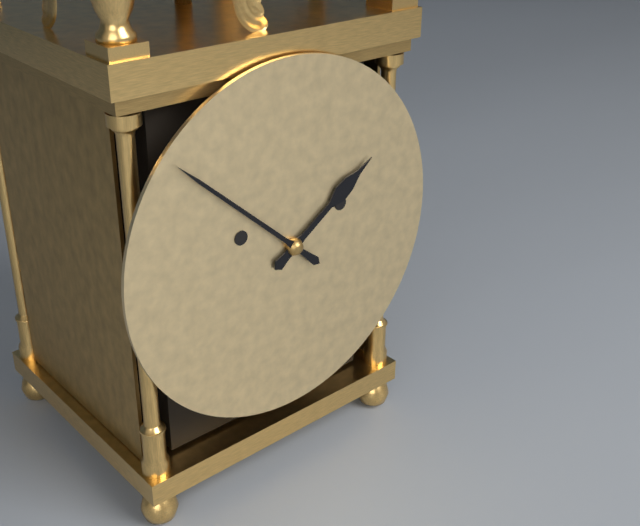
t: 1:52
